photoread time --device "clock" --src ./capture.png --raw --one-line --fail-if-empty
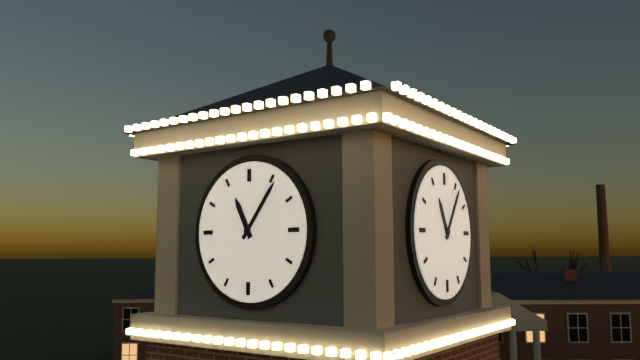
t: 11:06
